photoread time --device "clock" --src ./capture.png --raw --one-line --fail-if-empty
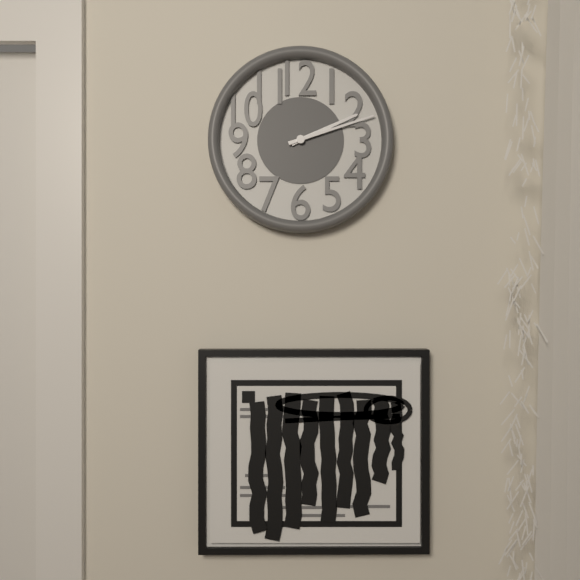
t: 2:12
